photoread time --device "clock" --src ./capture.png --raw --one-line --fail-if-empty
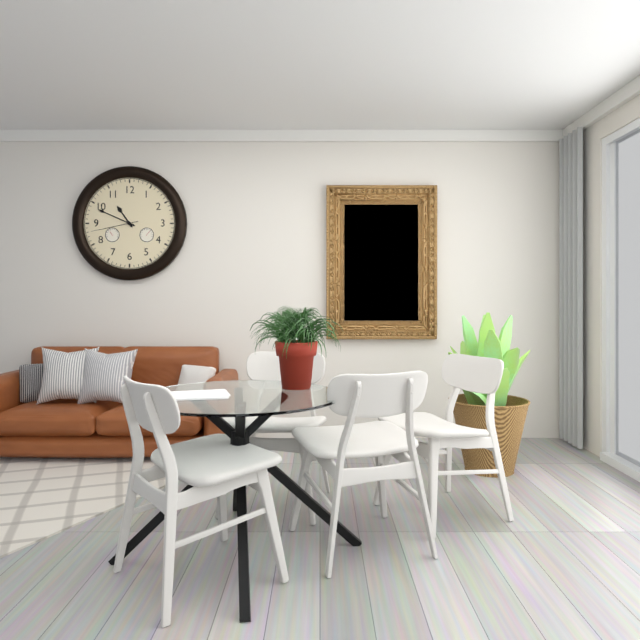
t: 10:49
